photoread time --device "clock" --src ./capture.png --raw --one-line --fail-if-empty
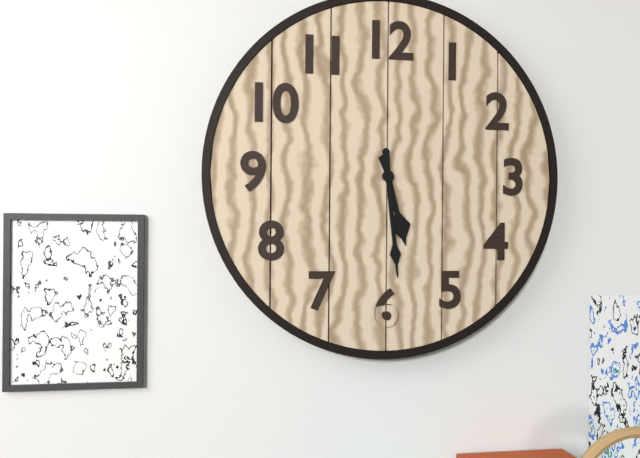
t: 5:29
